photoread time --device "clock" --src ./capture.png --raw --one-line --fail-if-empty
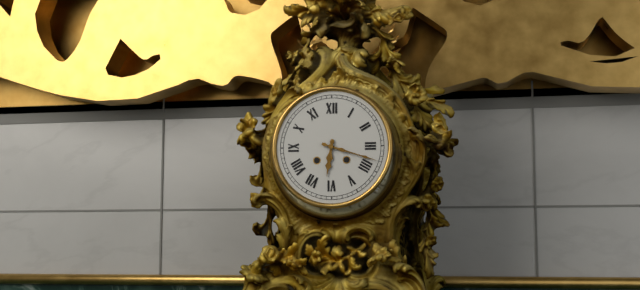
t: 6:18
